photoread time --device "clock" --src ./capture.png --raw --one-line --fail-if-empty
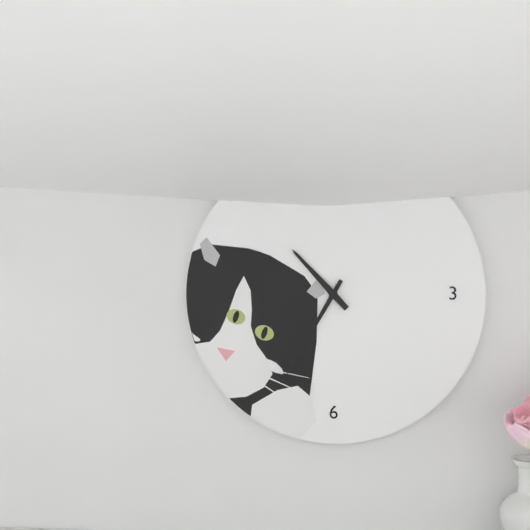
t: 10:35
